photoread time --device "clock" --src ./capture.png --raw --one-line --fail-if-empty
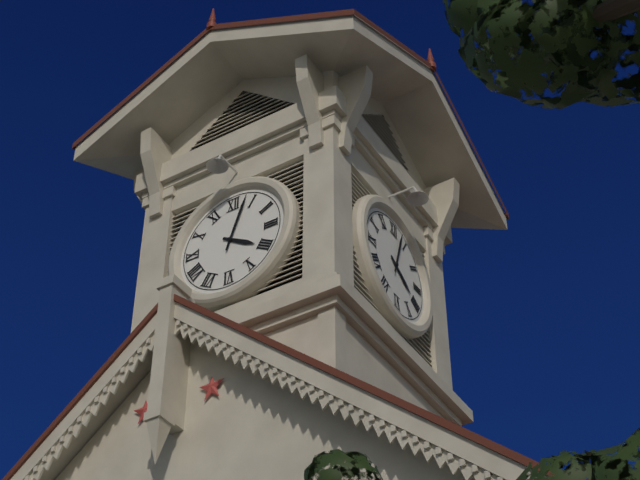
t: 4:03
